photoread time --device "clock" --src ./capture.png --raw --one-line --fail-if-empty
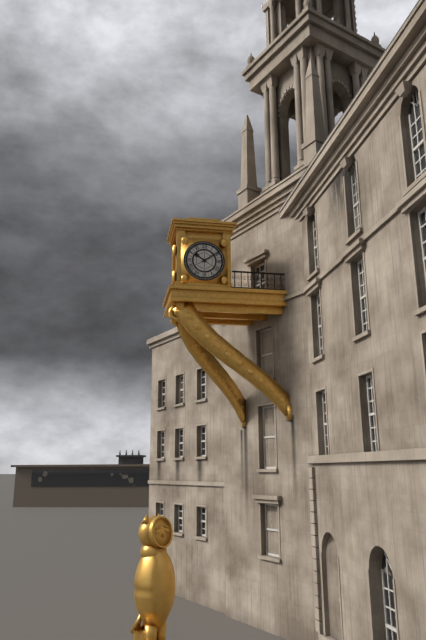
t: 10:09
